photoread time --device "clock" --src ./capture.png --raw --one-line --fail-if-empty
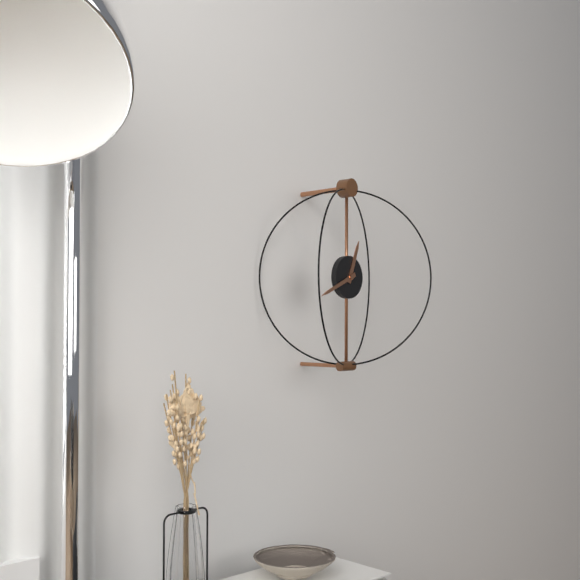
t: 12:41
